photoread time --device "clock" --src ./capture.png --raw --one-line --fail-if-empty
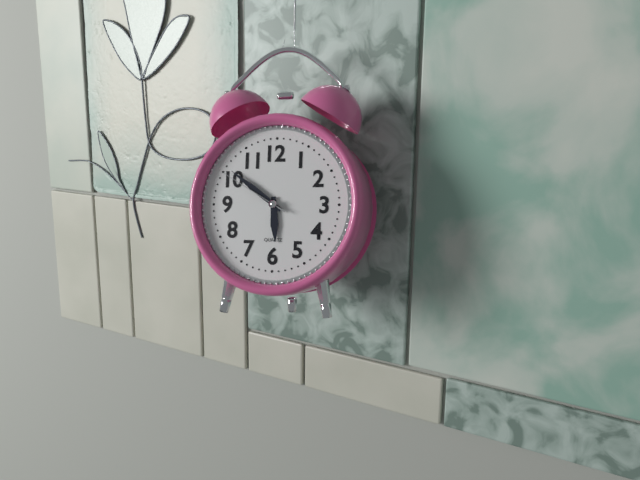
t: 5:51:50
